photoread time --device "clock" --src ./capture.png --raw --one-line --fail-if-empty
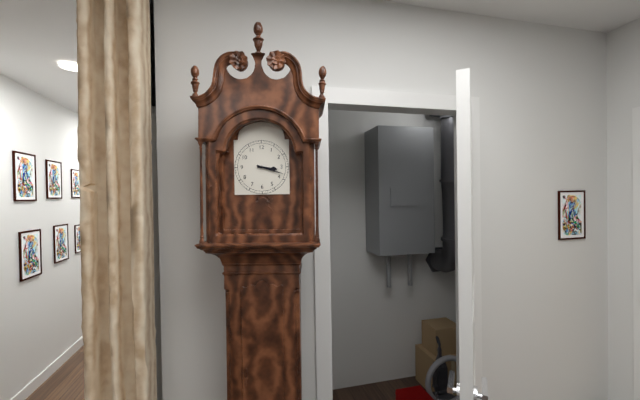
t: 3:18
